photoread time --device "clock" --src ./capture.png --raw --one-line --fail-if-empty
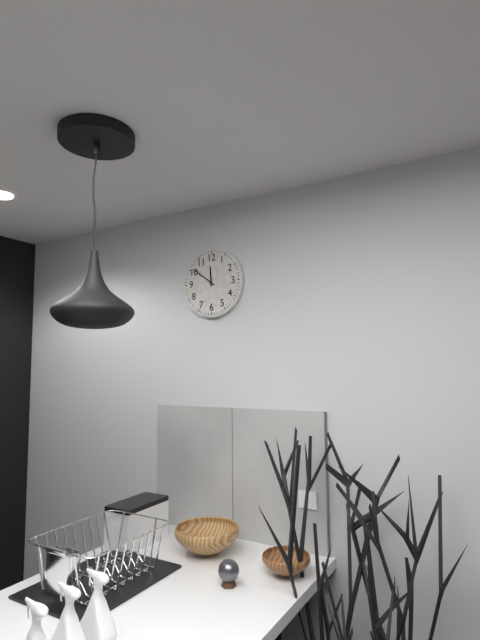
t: 11:51
